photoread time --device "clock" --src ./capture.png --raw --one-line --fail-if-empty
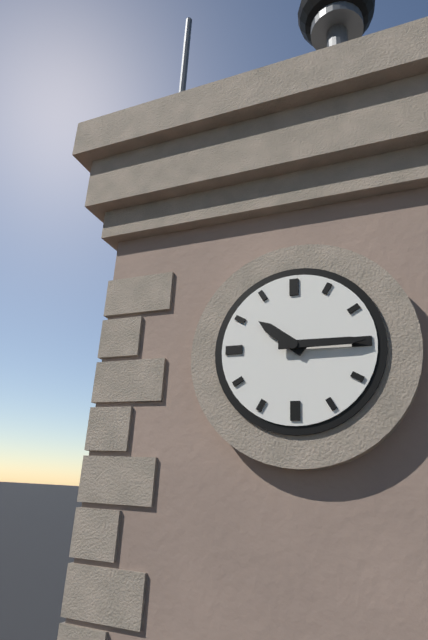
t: 10:15
